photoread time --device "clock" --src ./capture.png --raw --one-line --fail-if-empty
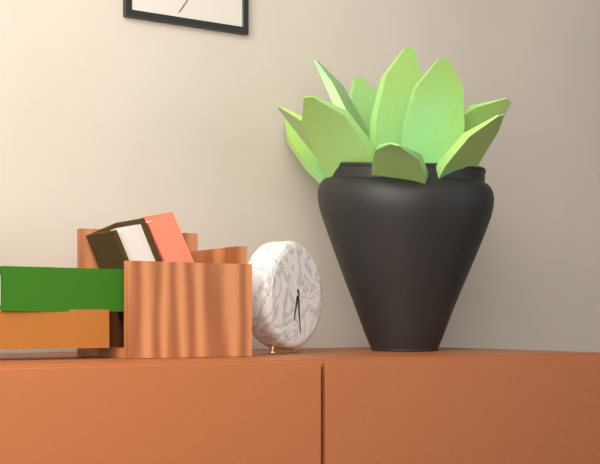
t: 6:29
